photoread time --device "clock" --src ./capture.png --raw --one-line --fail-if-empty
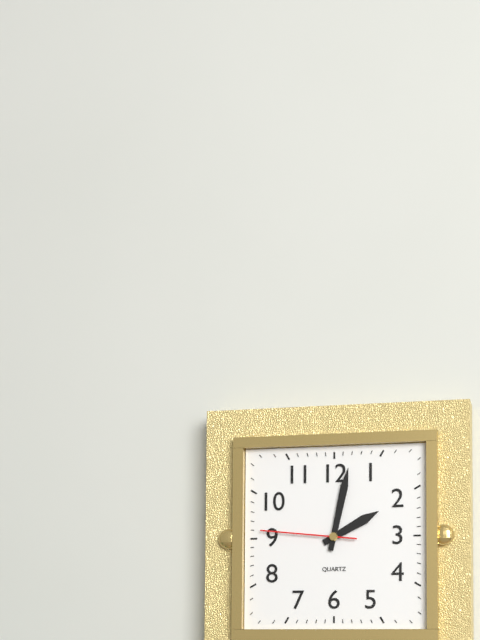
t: 2:02:46
